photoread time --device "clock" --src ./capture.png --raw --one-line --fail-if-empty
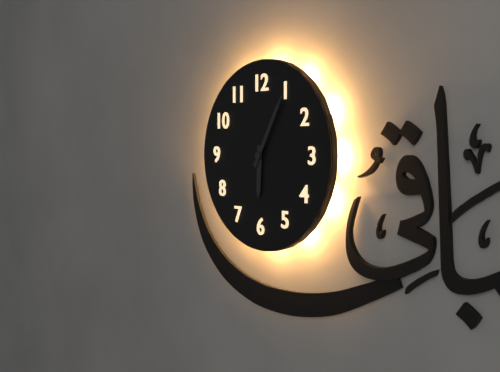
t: 6:05
